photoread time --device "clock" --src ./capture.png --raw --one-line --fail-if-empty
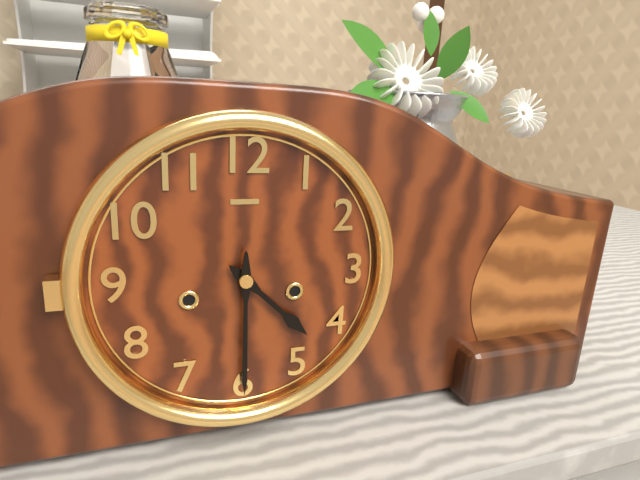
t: 4:30
